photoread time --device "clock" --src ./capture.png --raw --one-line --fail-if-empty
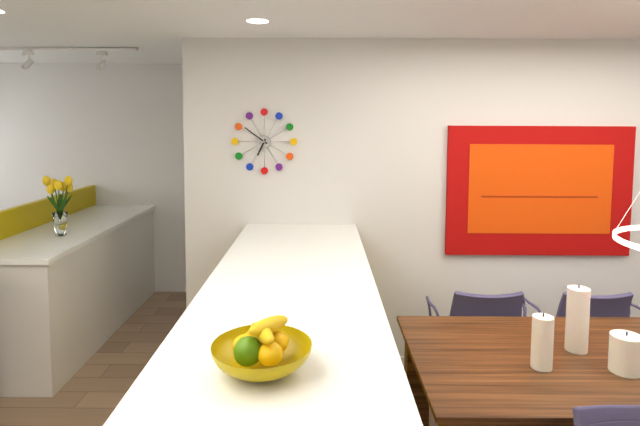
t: 6:51
